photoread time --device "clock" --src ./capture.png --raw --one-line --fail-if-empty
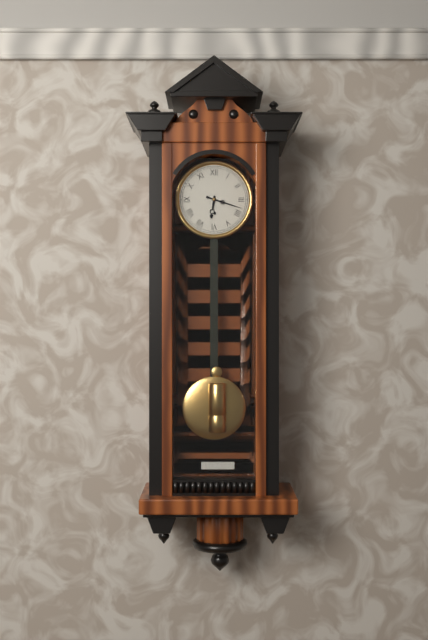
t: 6:18
